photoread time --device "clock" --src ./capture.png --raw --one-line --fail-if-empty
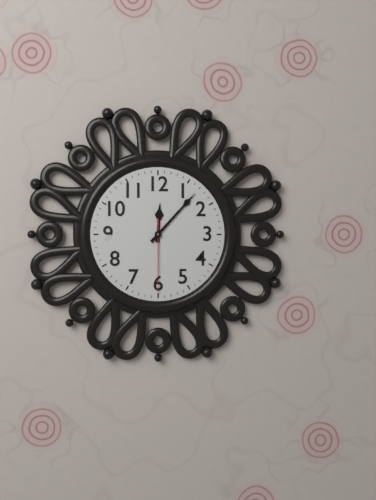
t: 12:07:30
